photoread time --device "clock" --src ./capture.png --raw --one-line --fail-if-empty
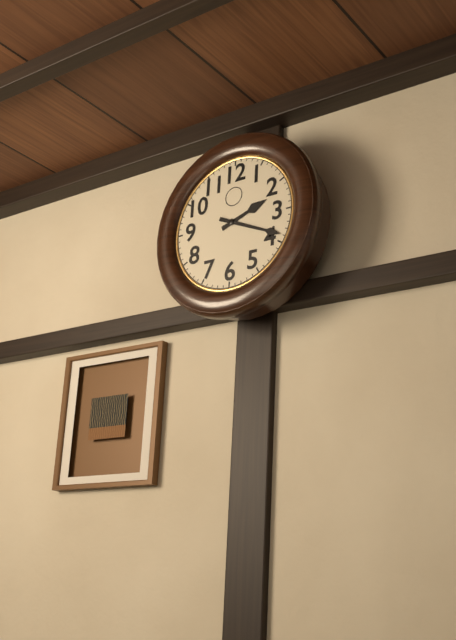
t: 2:19
